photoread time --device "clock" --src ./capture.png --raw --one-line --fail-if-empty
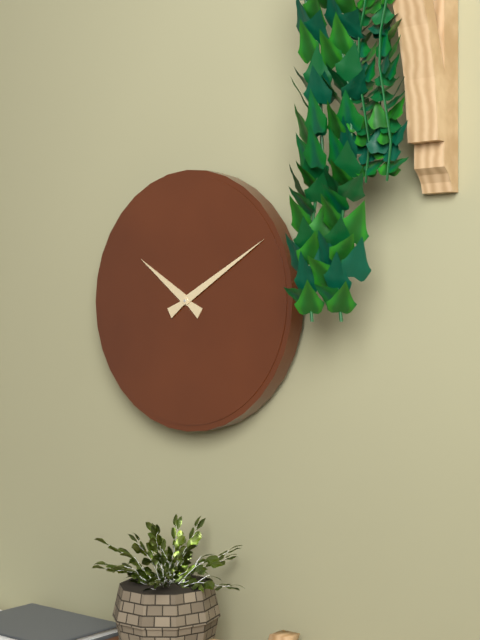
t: 10:10
